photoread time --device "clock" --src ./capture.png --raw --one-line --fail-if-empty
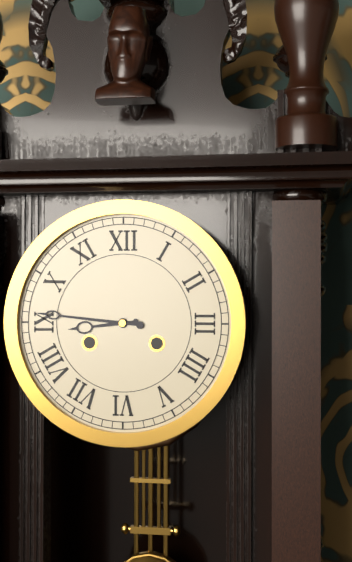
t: 8:46
